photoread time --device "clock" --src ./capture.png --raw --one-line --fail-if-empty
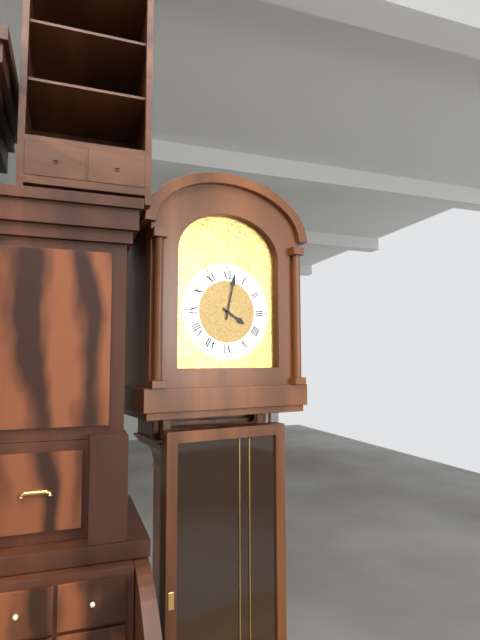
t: 4:02
